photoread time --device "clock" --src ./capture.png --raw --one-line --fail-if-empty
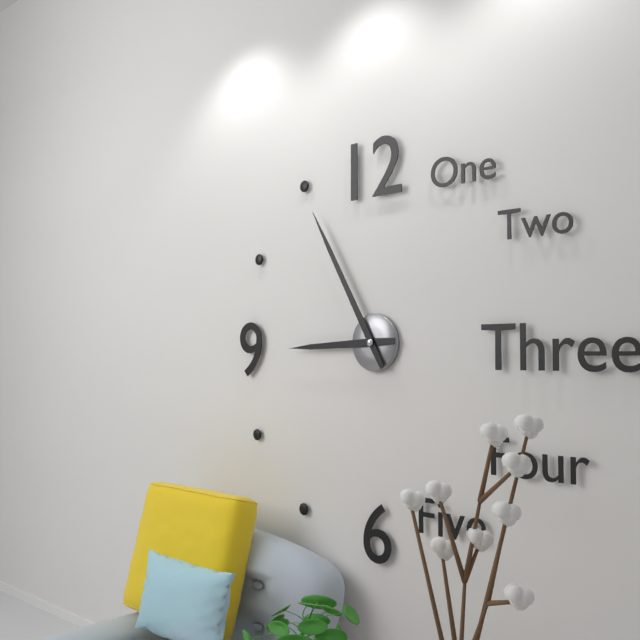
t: 8:55
